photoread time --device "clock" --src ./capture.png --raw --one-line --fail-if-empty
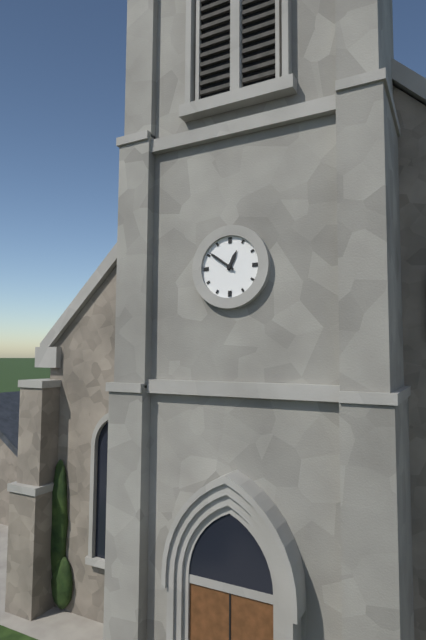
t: 12:51
